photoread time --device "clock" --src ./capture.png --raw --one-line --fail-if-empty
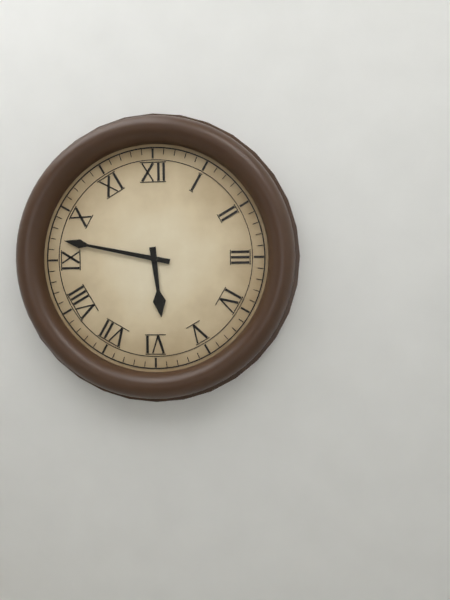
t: 5:47
